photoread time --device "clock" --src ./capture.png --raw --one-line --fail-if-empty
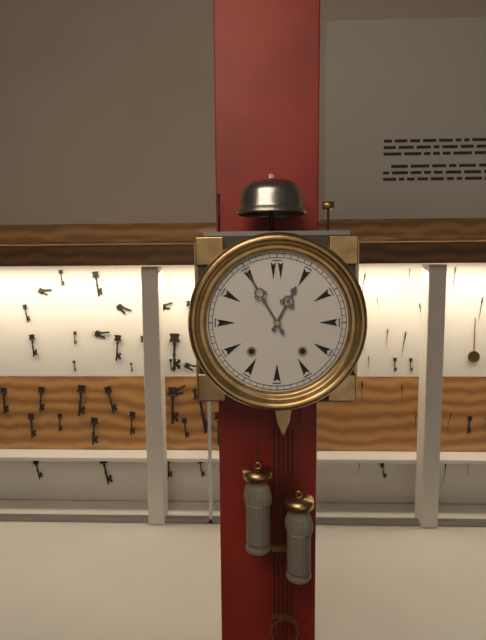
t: 12:55
